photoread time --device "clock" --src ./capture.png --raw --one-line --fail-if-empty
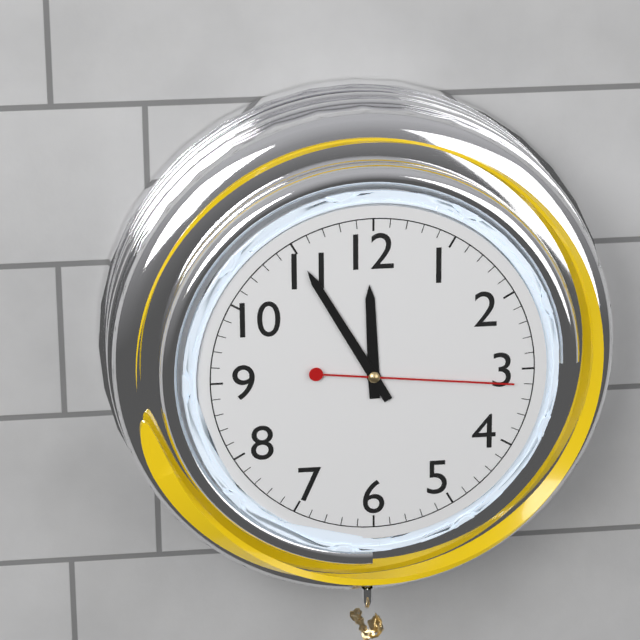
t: 11:55:16
